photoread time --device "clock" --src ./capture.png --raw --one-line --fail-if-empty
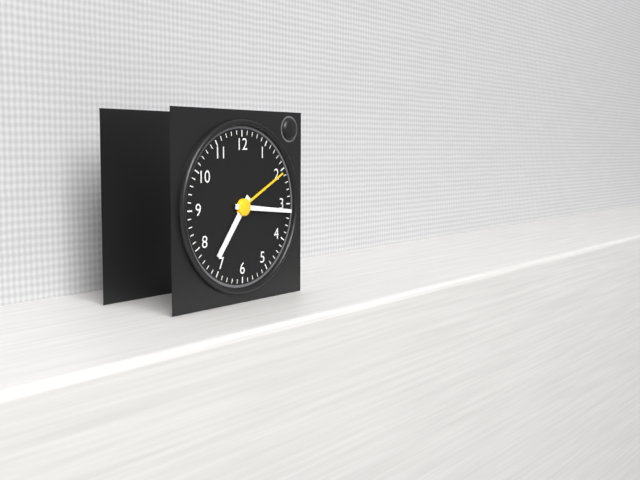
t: 7:16
